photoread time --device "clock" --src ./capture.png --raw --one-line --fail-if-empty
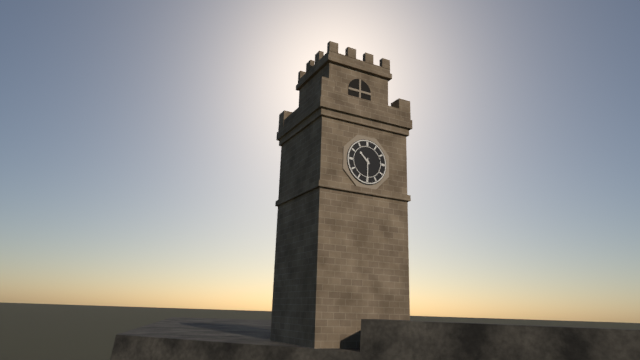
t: 10:30
